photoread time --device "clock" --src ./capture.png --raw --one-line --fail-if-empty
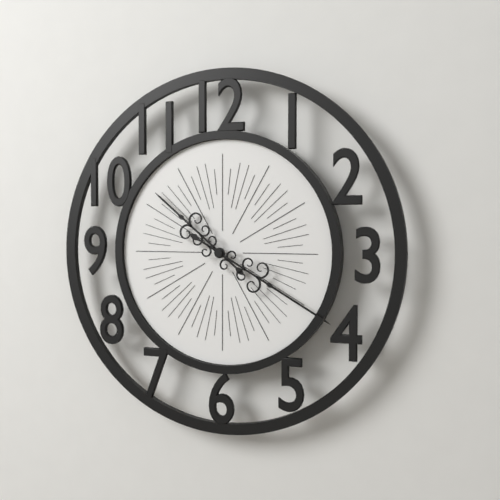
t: 10:20
